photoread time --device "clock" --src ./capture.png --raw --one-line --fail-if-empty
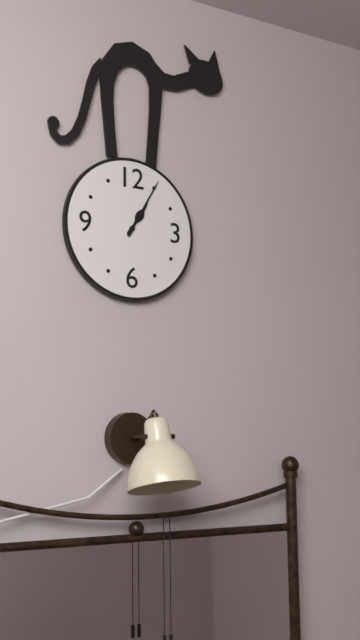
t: 1:05
